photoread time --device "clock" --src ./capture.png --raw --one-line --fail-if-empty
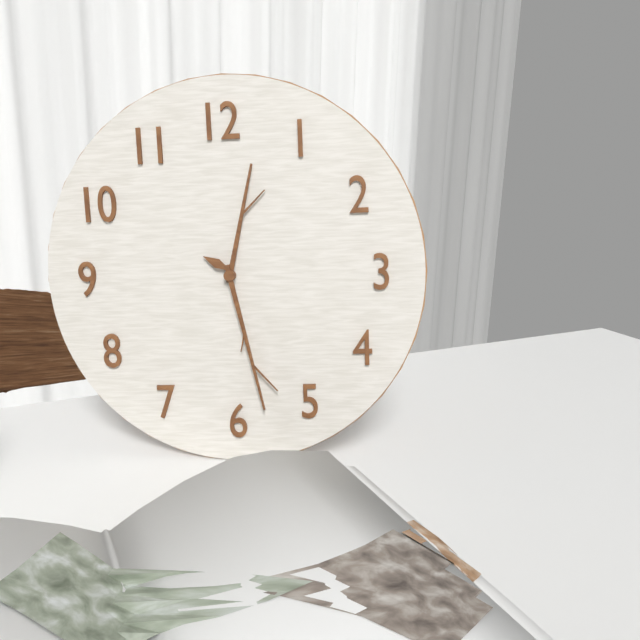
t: 12:28
